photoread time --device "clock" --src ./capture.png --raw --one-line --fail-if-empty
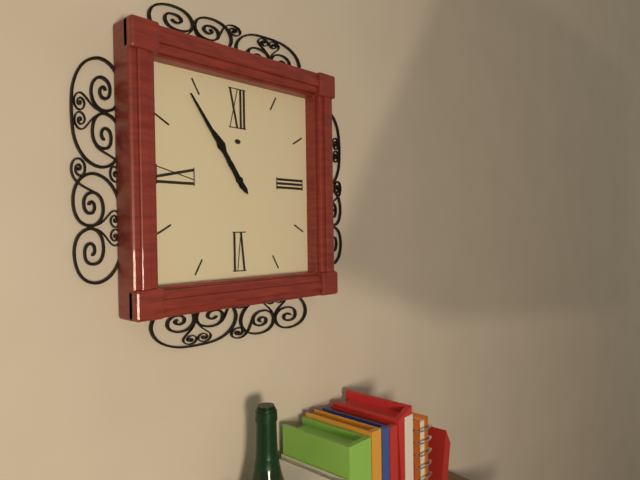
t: 10:54
